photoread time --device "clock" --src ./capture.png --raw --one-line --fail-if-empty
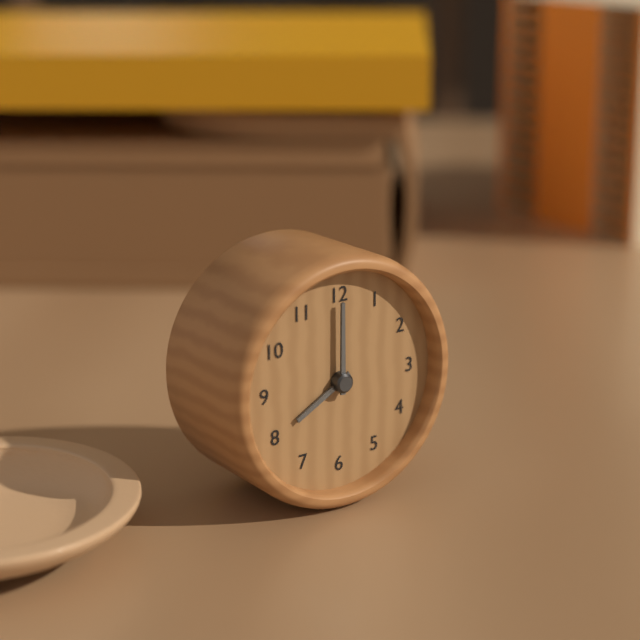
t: 8:00
